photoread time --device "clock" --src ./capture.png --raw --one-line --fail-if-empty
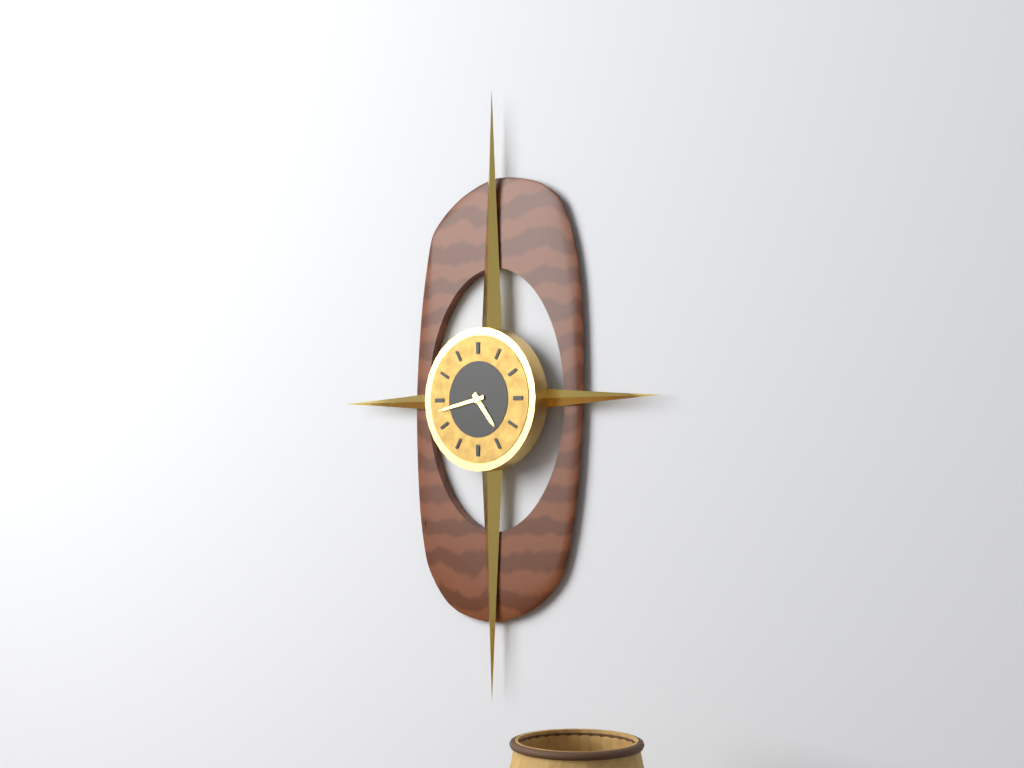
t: 4:43
